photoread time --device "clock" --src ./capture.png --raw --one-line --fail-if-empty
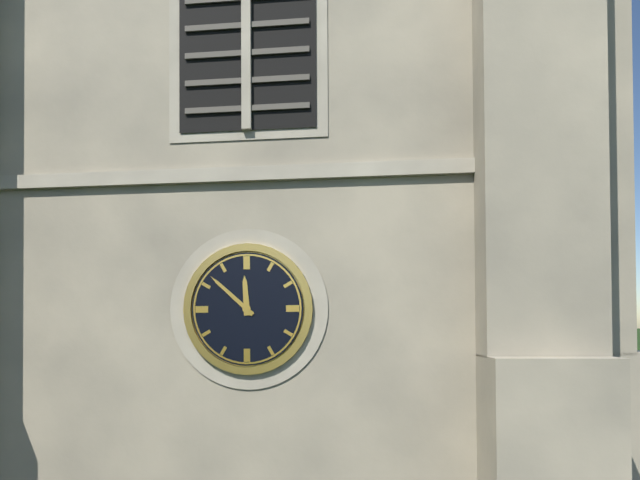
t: 11:52
